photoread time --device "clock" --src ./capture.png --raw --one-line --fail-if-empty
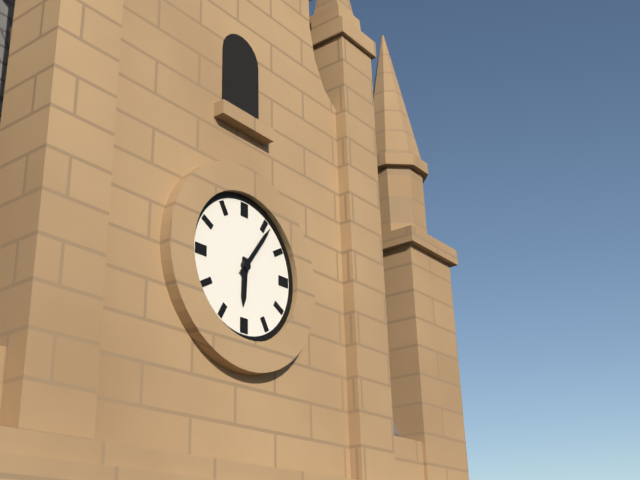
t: 6:06
